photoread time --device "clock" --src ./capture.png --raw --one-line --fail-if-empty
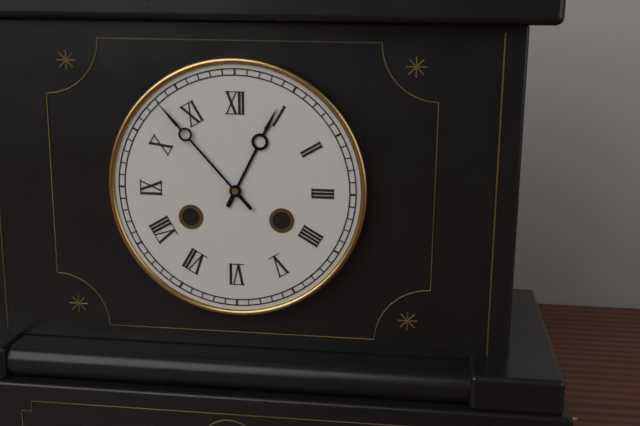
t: 12:53
